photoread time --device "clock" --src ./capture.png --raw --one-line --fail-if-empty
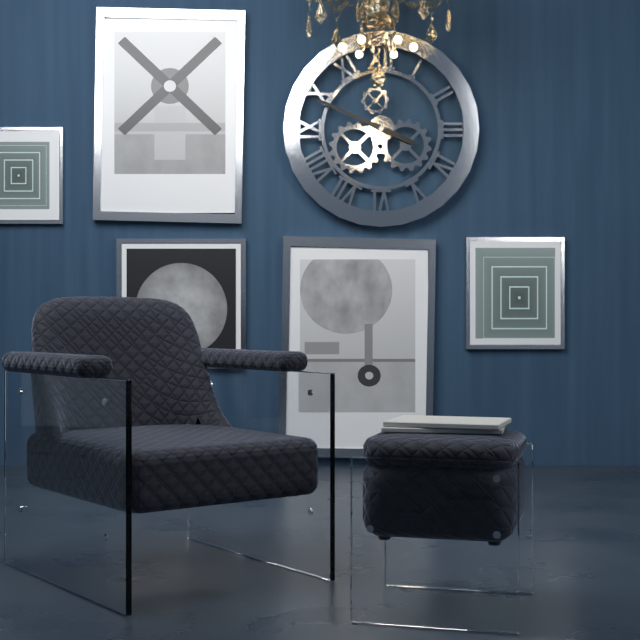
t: 3:49
